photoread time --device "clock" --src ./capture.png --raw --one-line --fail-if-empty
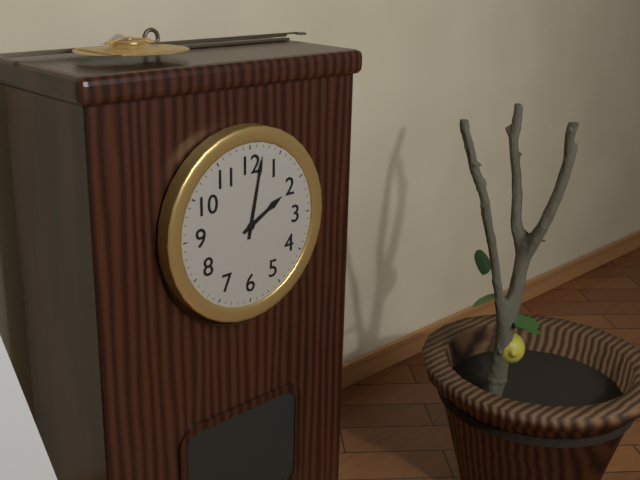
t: 2:02
